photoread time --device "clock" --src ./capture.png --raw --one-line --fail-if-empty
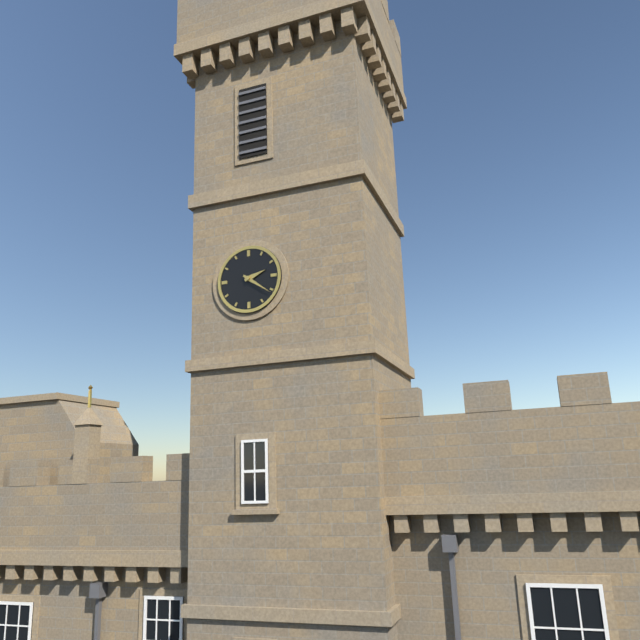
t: 2:21
